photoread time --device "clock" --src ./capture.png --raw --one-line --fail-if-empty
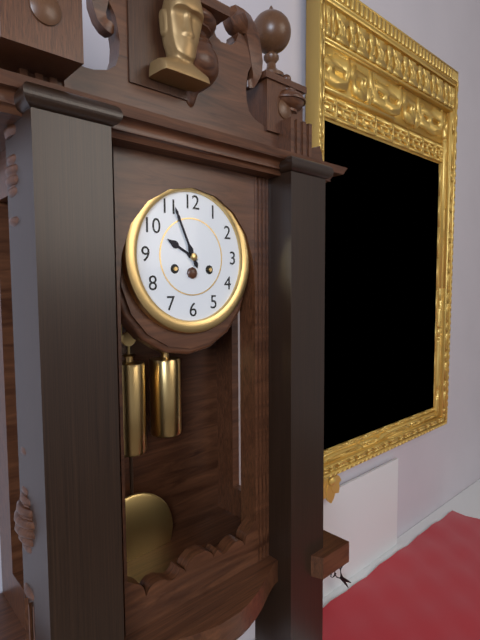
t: 9:56
